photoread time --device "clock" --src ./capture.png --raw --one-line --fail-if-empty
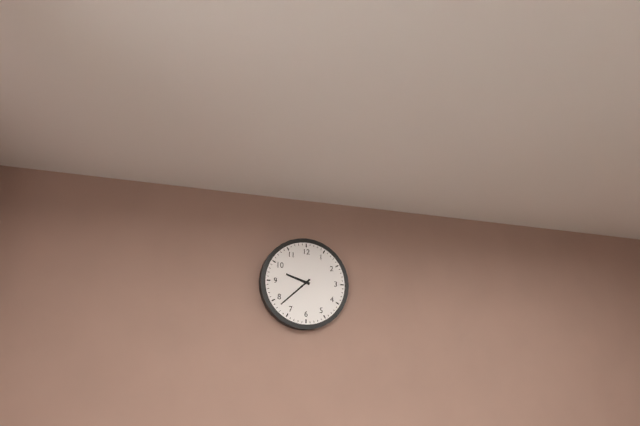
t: 9:38
